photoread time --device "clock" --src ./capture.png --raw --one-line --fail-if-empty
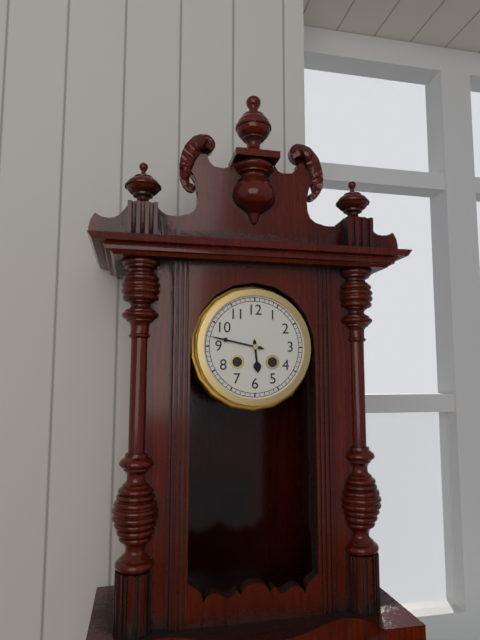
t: 5:47
